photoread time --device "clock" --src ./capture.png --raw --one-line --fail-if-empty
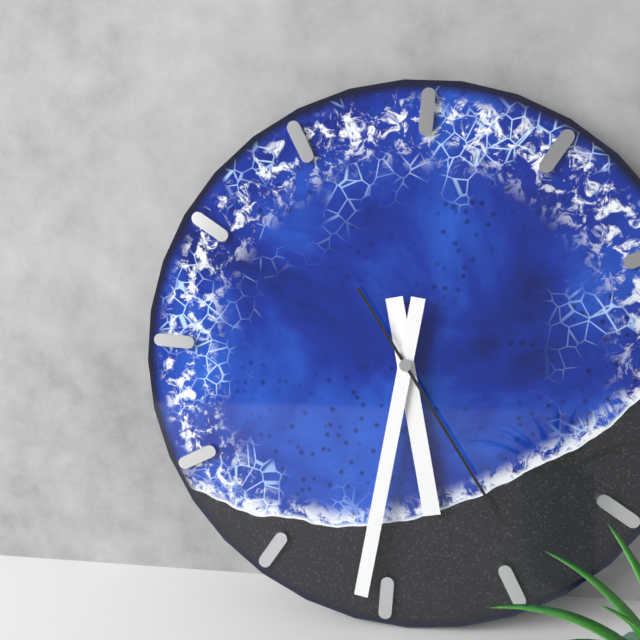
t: 5:31:24
